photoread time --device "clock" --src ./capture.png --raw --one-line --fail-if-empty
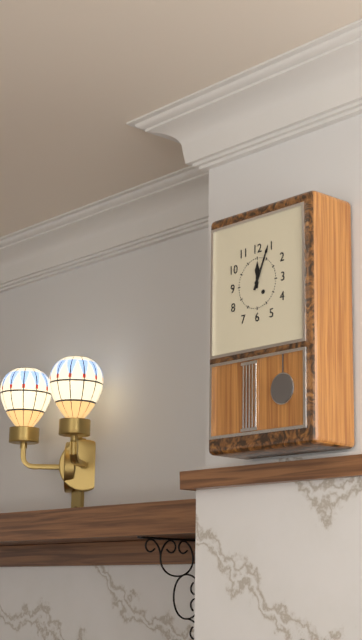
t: 12:04
